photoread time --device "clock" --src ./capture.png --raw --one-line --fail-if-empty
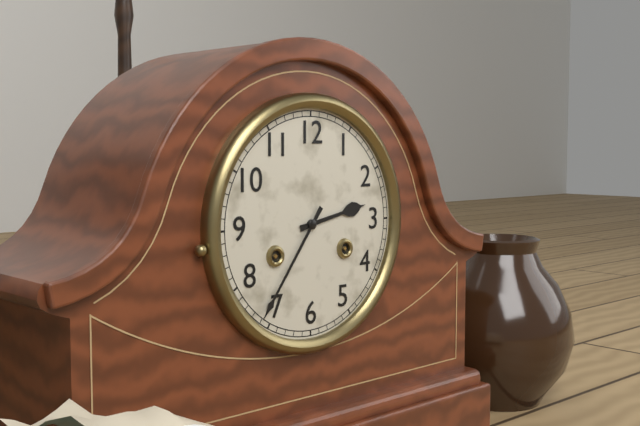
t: 2:36
